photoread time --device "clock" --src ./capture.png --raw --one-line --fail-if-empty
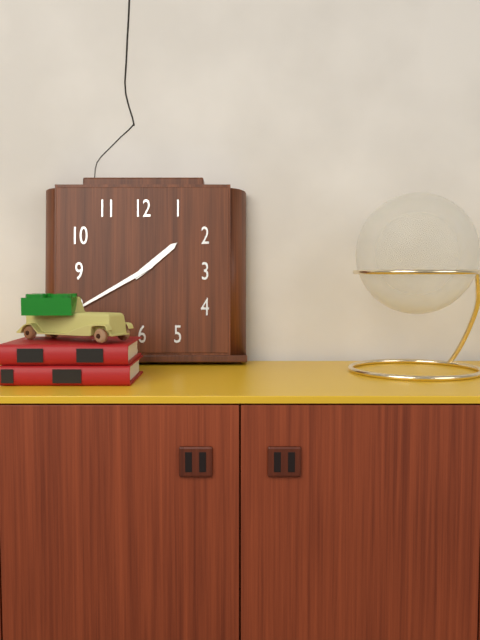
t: 1:40
